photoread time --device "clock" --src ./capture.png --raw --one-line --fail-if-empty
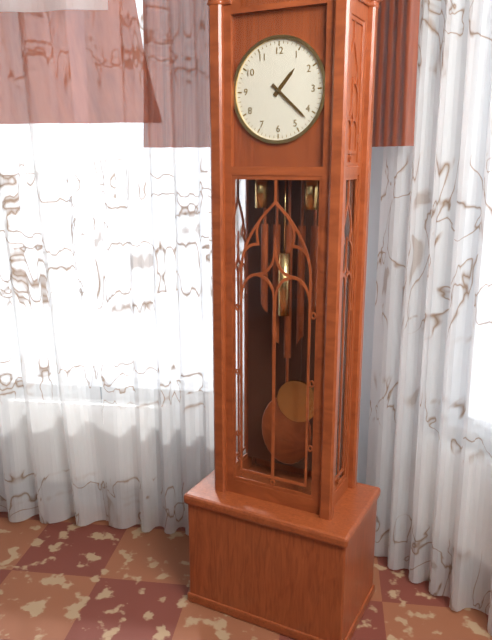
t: 1:22
